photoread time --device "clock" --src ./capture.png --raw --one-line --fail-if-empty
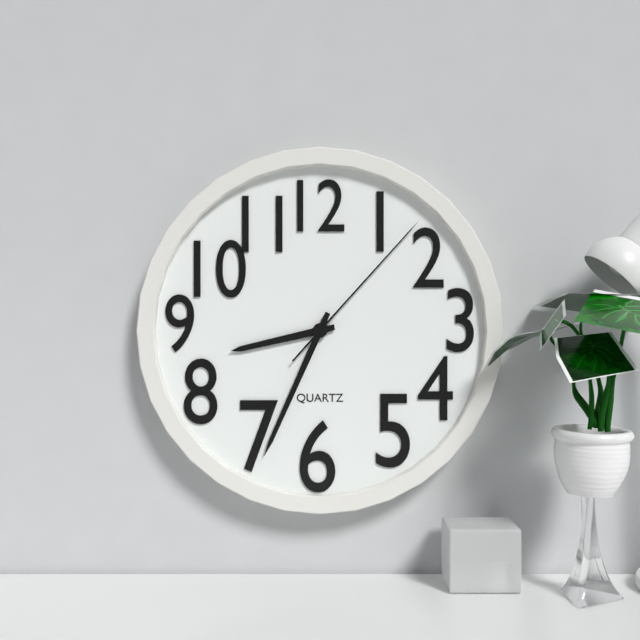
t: 8:34:07
